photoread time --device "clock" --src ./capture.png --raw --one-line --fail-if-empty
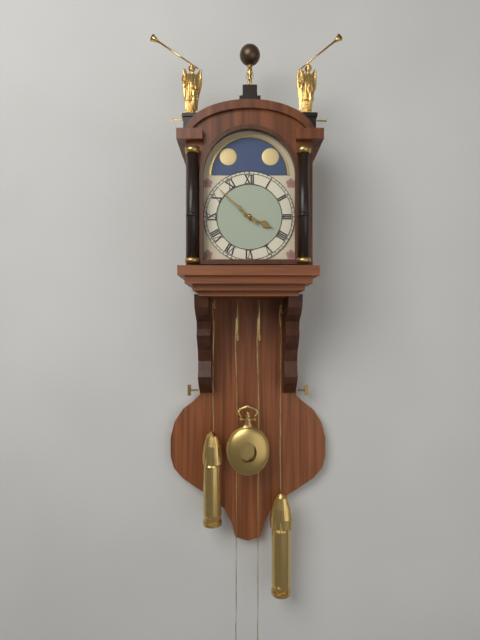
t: 3:52
